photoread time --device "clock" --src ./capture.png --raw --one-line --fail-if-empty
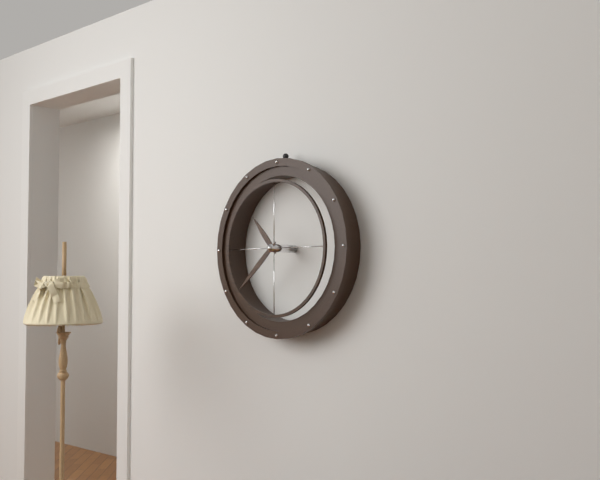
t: 10:38
